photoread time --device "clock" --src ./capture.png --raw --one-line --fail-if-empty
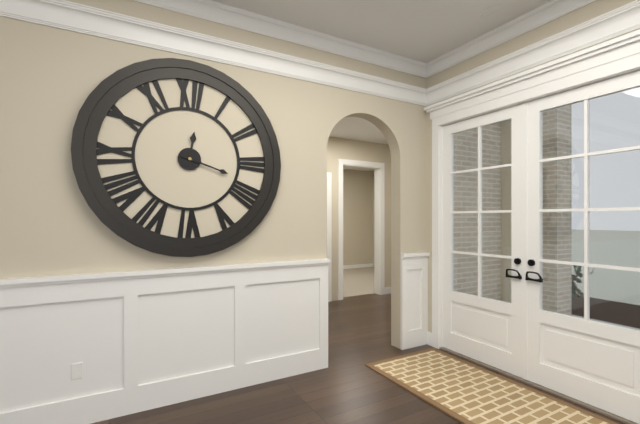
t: 12:18
